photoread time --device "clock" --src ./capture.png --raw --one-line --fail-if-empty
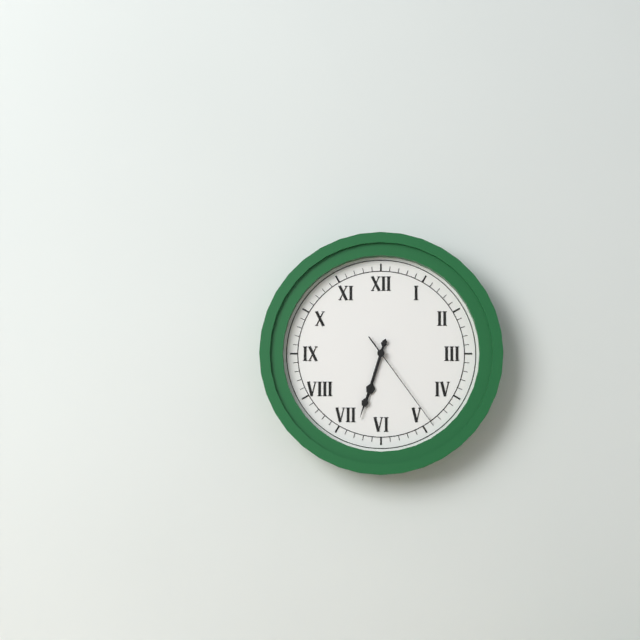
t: 6:33:24
